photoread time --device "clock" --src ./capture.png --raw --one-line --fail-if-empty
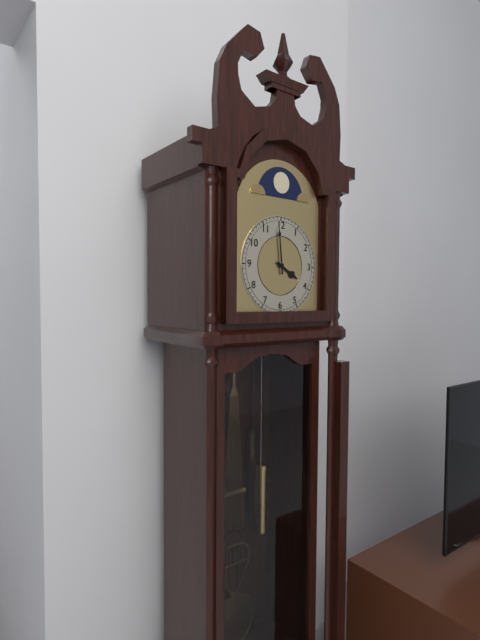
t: 3:59
